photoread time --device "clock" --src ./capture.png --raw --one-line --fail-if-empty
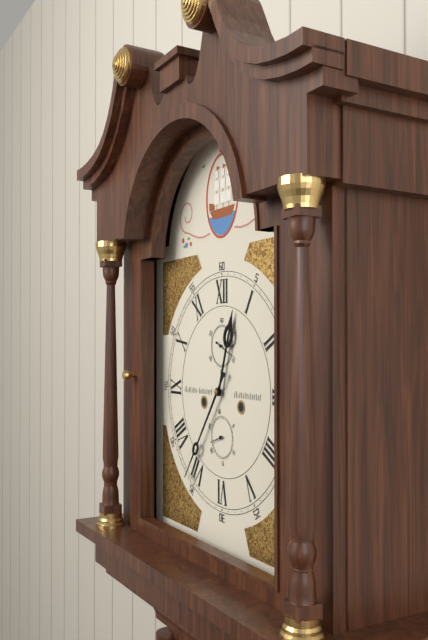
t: 12:36
